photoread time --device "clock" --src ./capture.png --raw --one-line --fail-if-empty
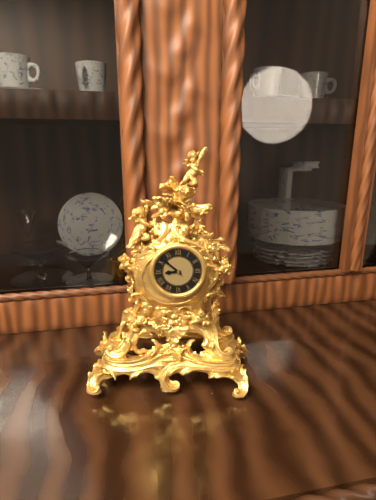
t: 8:52
